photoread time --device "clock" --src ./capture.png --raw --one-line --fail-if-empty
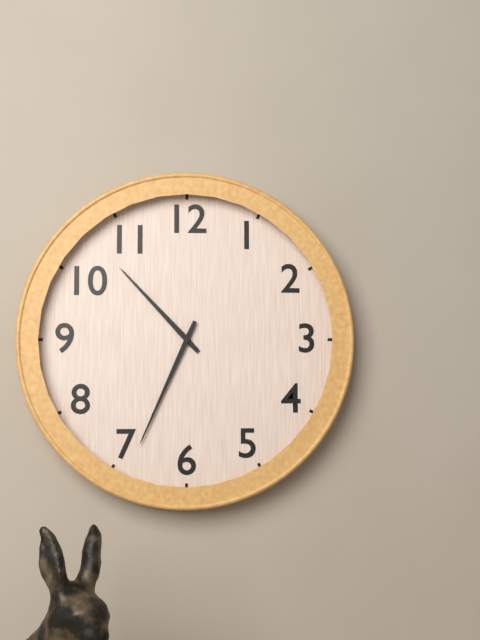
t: 10:34
